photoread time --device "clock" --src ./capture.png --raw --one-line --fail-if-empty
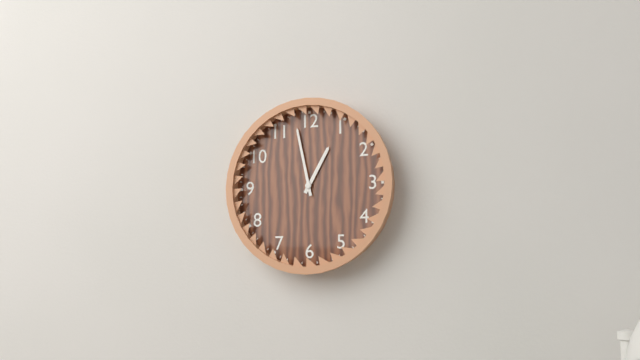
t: 12:58
